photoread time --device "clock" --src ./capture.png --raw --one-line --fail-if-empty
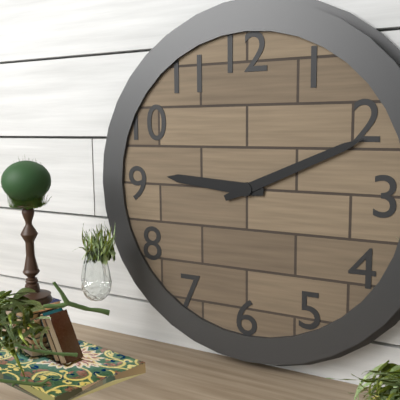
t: 9:11
